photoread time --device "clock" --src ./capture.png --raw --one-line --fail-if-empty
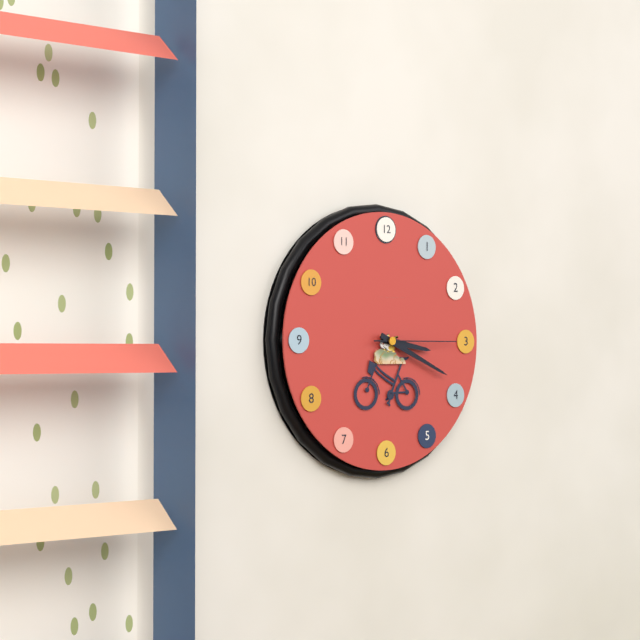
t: 3:19:15
